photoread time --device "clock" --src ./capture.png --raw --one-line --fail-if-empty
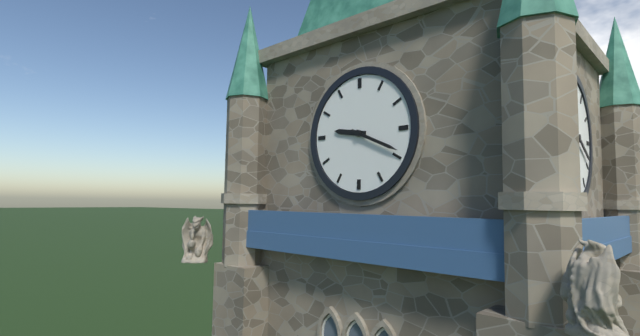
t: 9:19
